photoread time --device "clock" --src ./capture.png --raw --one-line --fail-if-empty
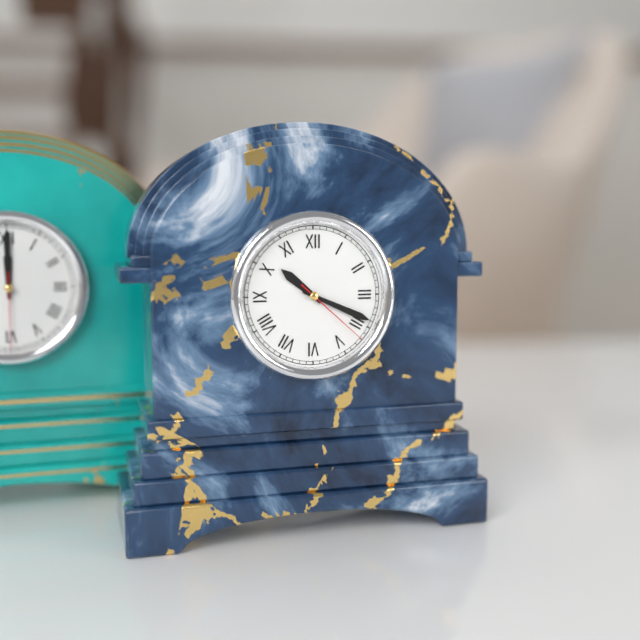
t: 10:19:22
